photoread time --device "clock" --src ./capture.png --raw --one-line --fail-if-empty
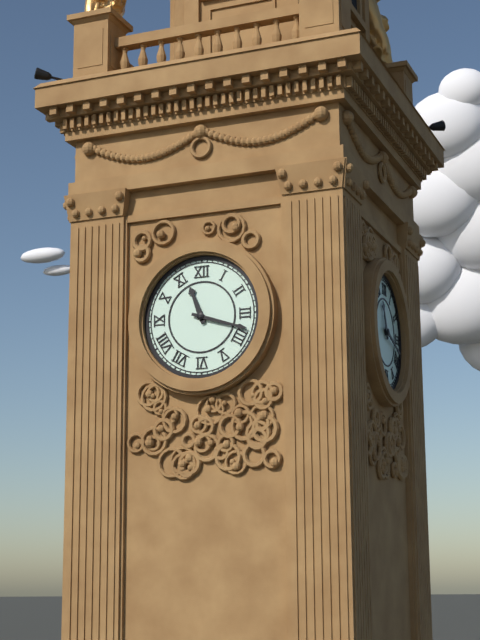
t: 11:18
